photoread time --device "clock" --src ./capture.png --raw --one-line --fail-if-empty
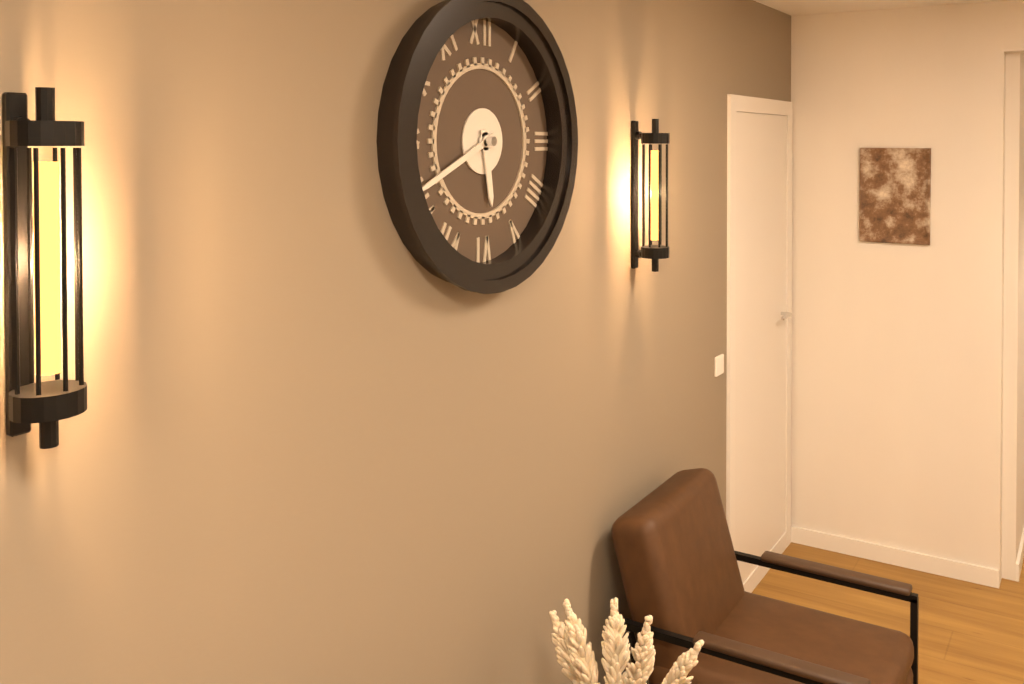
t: 5:41
